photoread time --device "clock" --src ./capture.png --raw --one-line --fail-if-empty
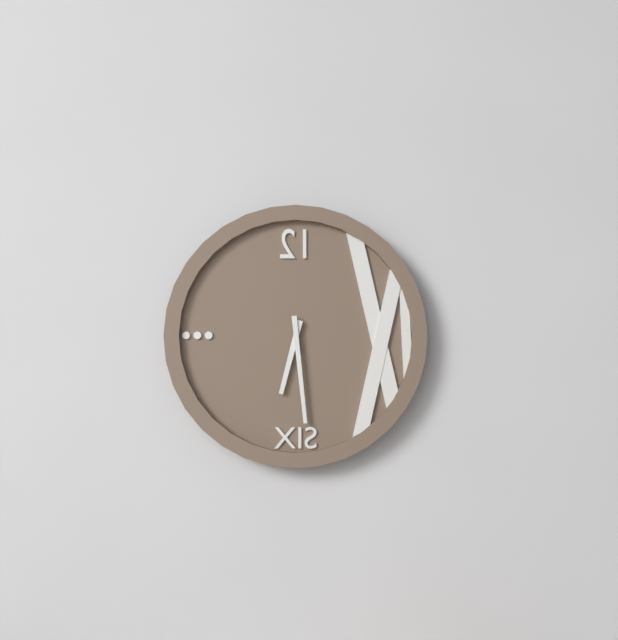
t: 6:29
